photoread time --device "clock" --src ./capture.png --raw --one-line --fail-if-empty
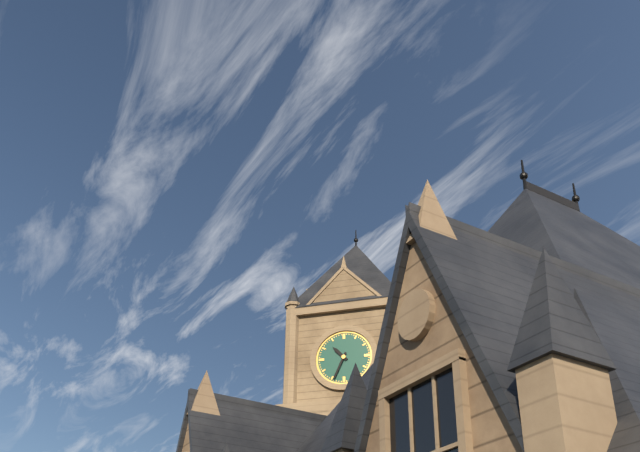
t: 10:34
